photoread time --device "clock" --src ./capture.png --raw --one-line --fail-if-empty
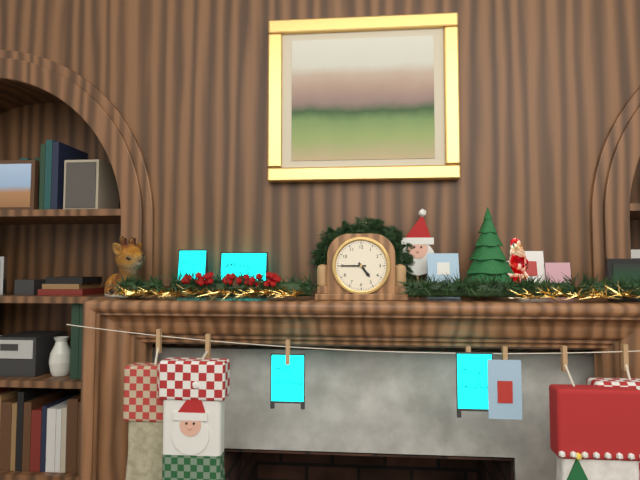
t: 4:45
